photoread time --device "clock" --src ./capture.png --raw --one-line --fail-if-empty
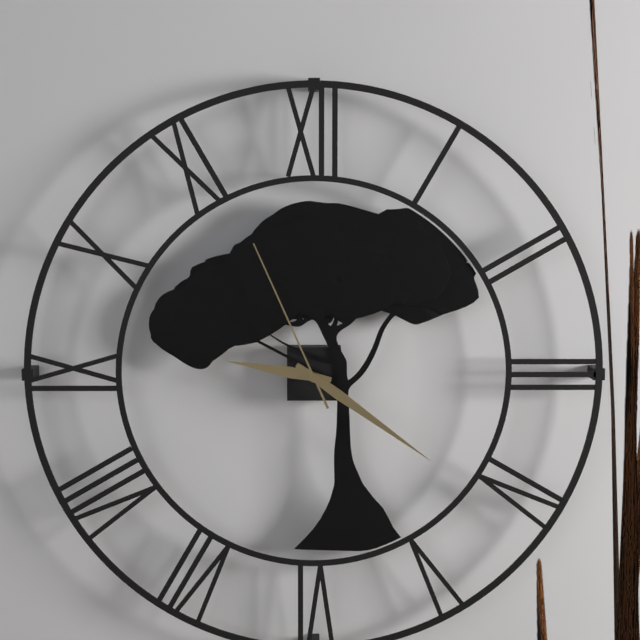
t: 9:21:56
